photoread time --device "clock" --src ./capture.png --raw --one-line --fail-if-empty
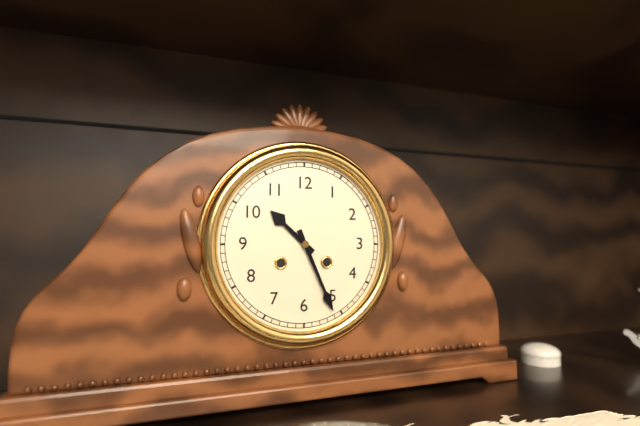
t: 10:26
